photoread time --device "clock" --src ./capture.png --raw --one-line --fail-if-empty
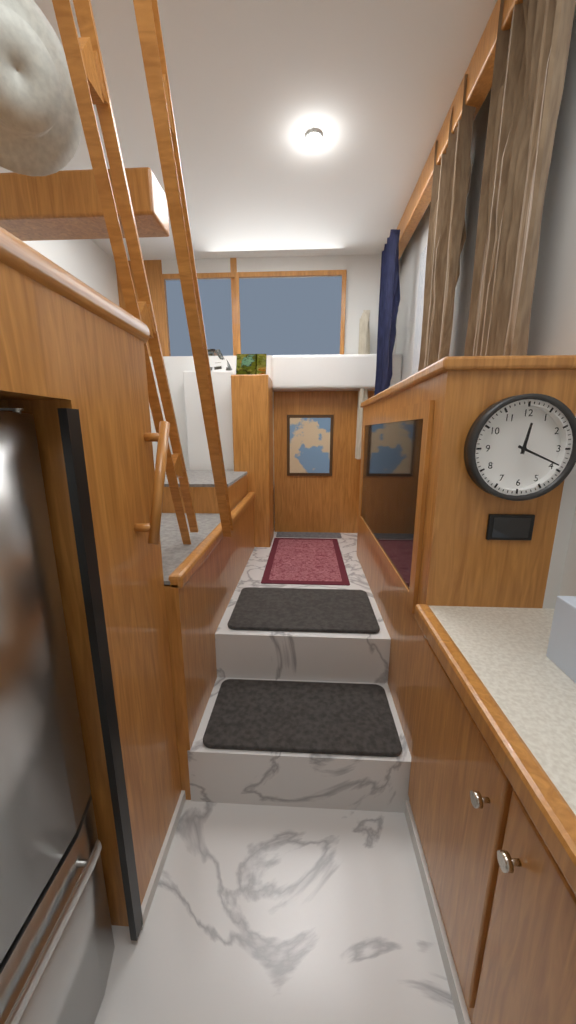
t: 12:19
